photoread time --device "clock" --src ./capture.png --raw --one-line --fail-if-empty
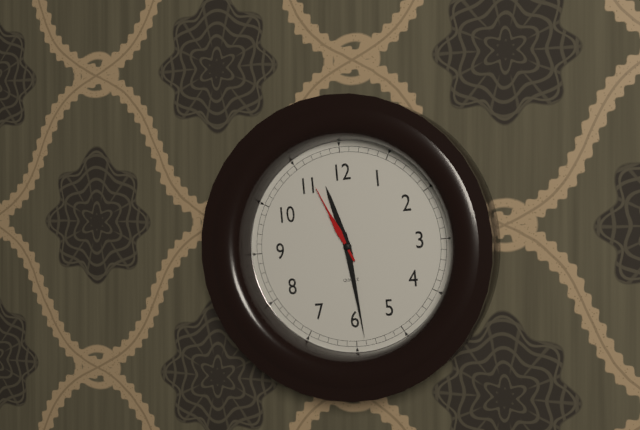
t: 11:29:56
